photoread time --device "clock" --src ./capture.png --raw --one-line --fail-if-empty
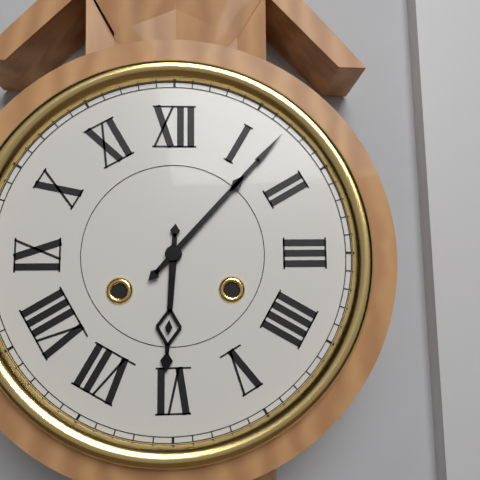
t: 6:07
